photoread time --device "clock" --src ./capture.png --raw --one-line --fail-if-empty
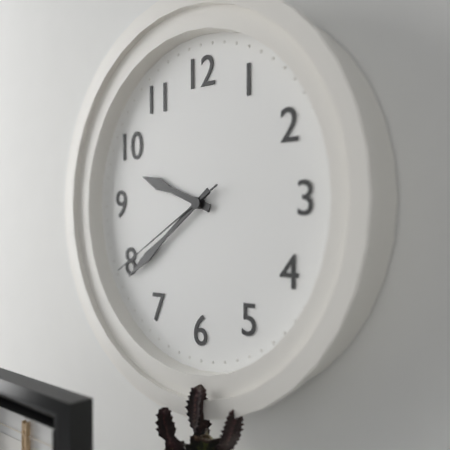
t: 9:39:40
